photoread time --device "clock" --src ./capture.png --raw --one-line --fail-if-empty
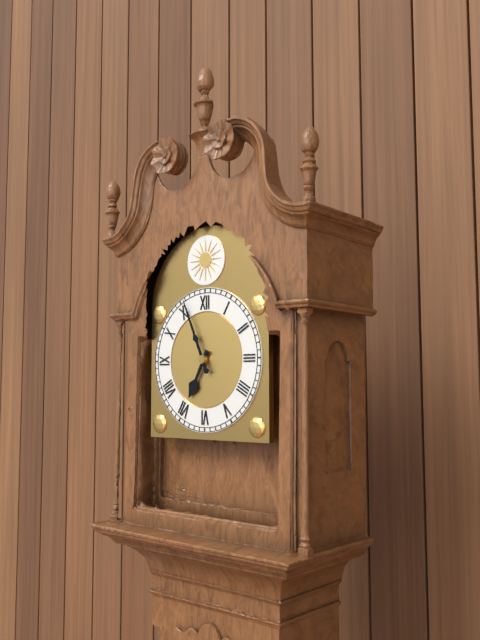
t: 6:56
